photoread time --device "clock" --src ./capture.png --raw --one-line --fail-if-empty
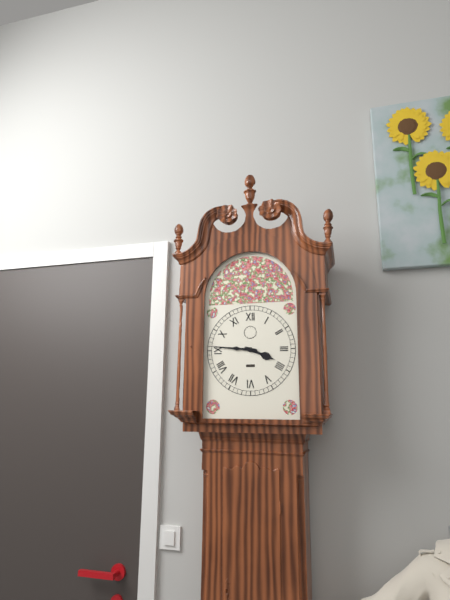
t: 3:46
